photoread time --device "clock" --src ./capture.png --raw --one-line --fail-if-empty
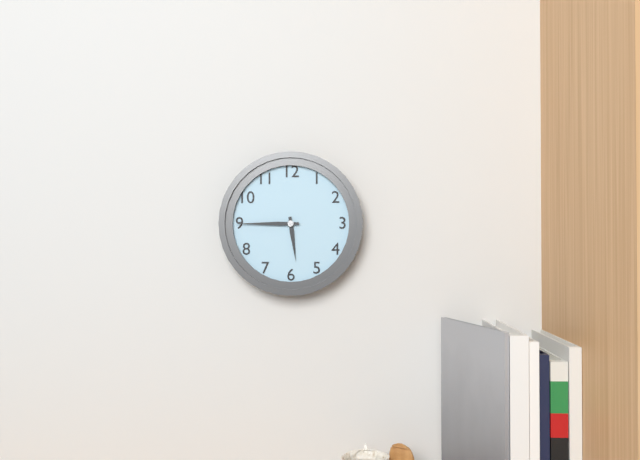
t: 5:45
